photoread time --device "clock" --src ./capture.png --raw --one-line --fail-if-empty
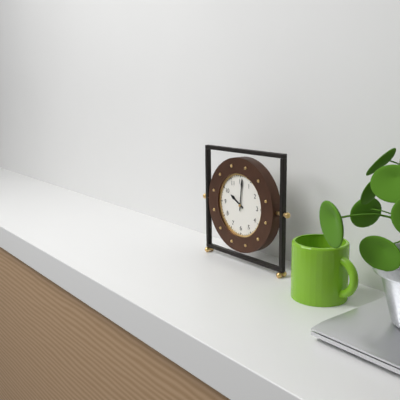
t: 10:01
